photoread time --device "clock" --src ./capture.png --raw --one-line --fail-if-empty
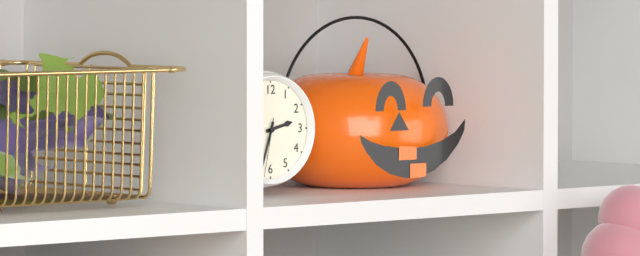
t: 2:33:32
